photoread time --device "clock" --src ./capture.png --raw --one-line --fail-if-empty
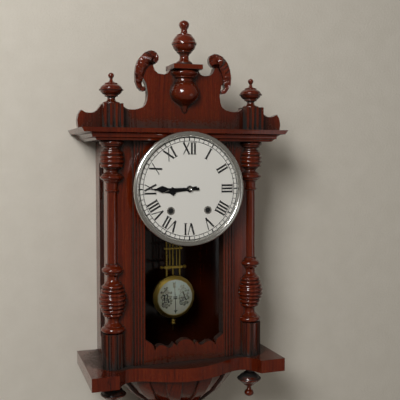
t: 8:45
